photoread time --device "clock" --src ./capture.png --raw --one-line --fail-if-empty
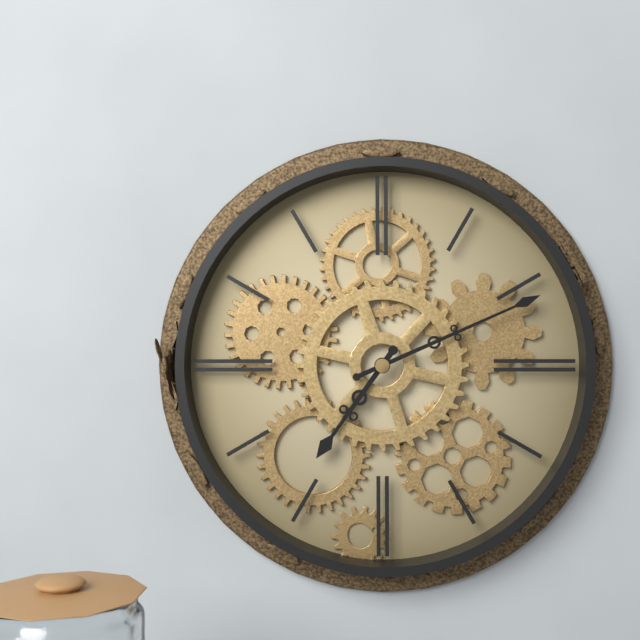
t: 7:11
